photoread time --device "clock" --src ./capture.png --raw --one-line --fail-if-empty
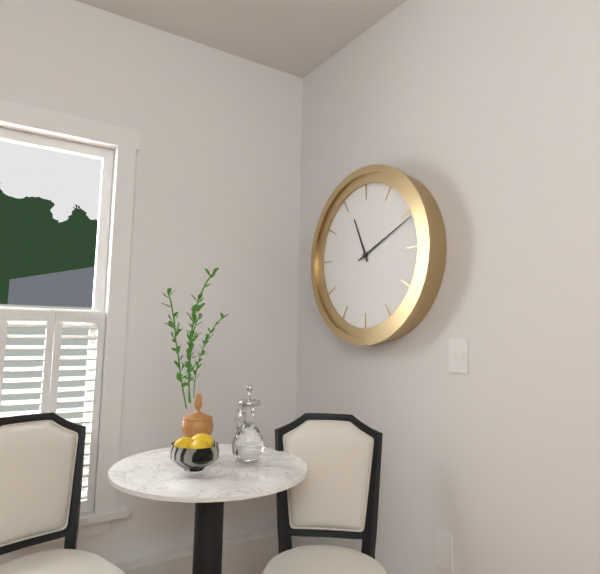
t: 11:11
